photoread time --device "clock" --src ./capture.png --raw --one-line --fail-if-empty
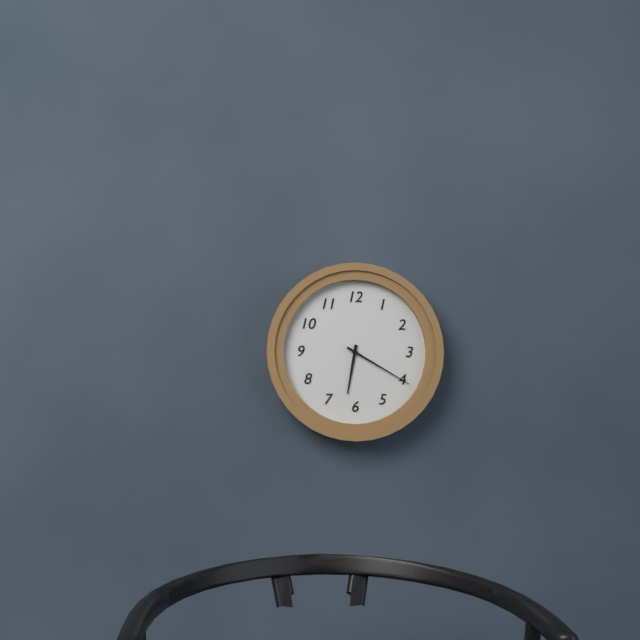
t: 6:20
